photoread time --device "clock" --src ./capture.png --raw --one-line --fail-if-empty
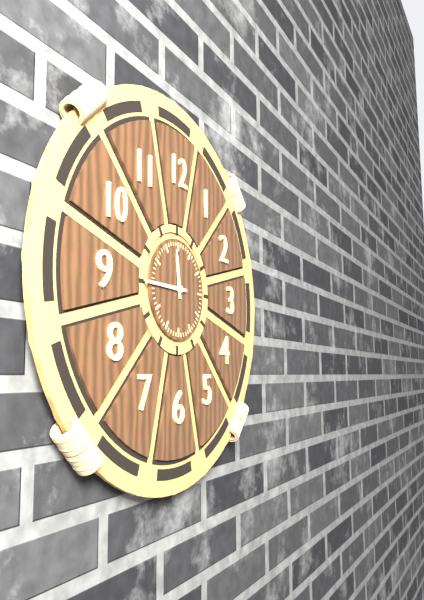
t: 11:45
